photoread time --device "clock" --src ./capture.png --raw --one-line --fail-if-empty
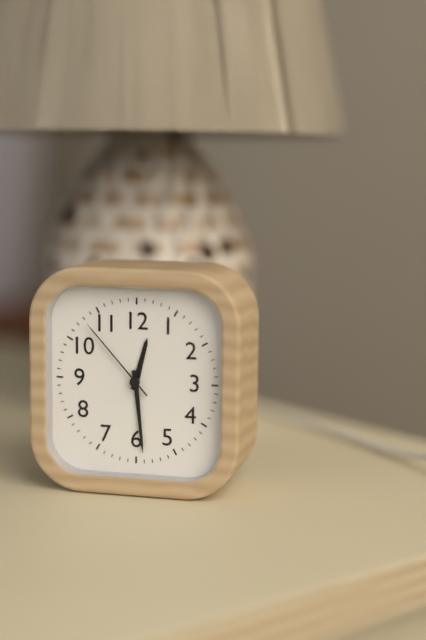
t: 12:29:53
